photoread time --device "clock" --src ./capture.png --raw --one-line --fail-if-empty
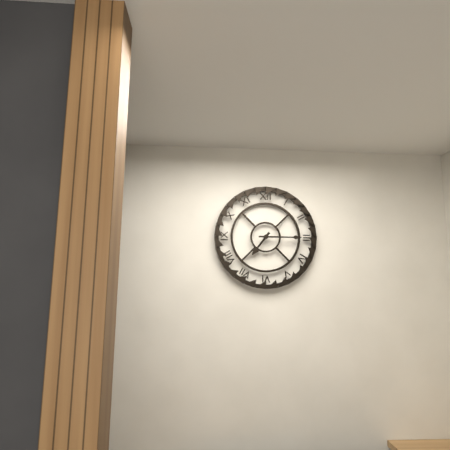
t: 7:15
